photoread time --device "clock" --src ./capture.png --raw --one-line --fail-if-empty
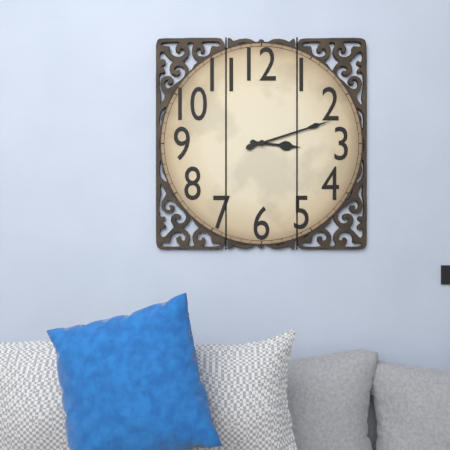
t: 3:12
